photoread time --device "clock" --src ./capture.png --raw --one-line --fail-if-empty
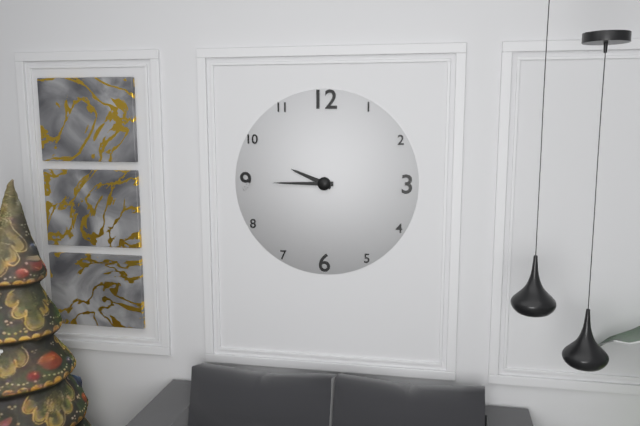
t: 9:45
